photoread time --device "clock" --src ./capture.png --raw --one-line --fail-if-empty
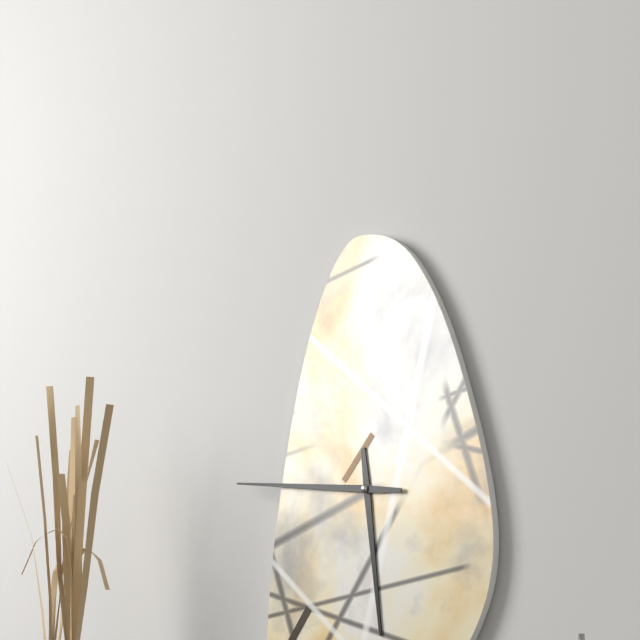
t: 5:46
